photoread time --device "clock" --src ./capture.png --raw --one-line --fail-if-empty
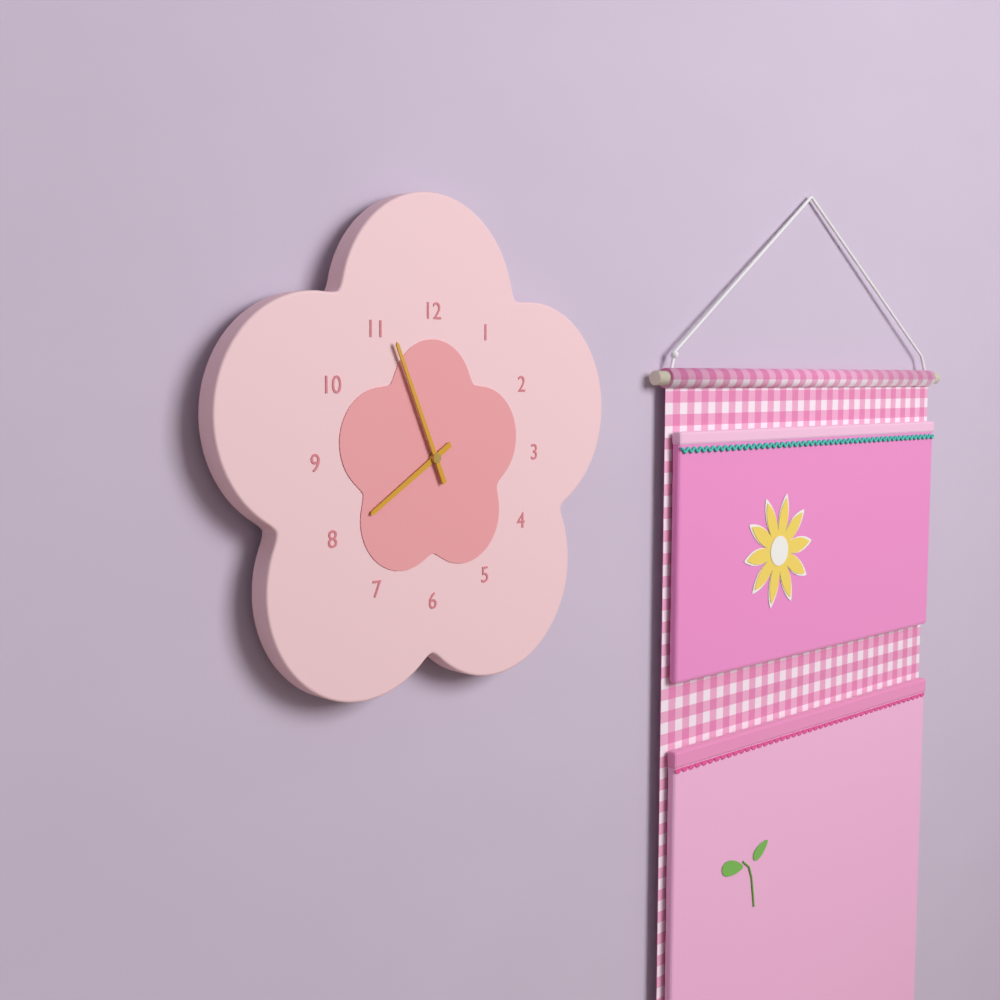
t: 7:56
